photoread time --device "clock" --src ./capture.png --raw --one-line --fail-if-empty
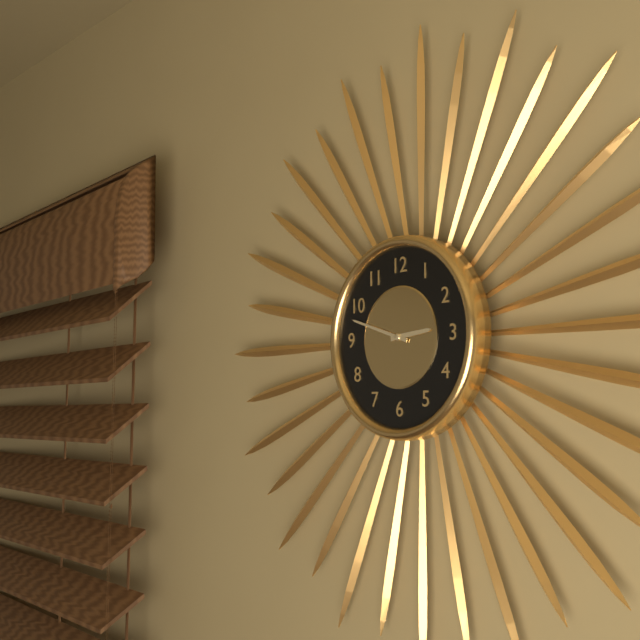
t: 2:48
